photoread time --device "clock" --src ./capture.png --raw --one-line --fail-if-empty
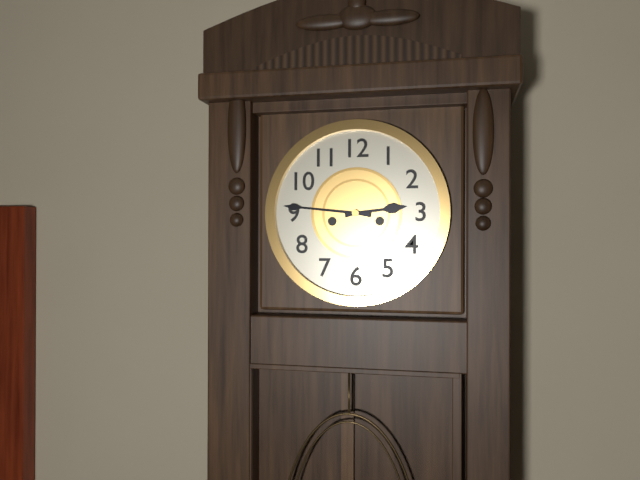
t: 2:46
